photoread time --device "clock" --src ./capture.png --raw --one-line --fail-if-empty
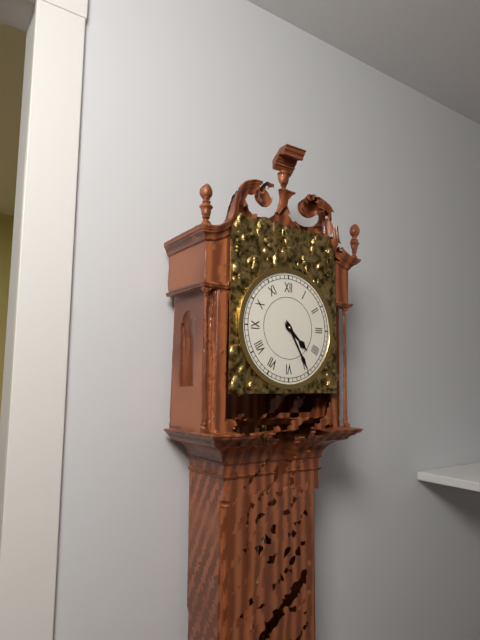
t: 4:25
